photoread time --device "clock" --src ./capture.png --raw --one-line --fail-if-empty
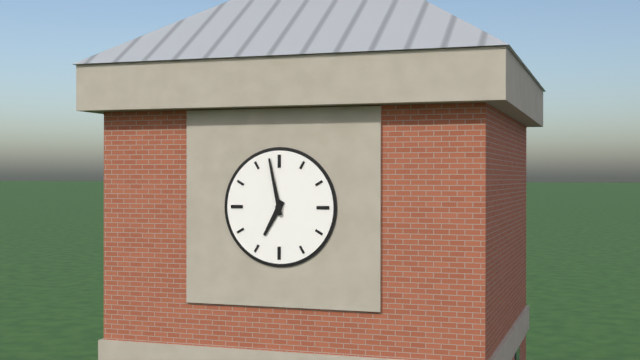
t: 6:58
